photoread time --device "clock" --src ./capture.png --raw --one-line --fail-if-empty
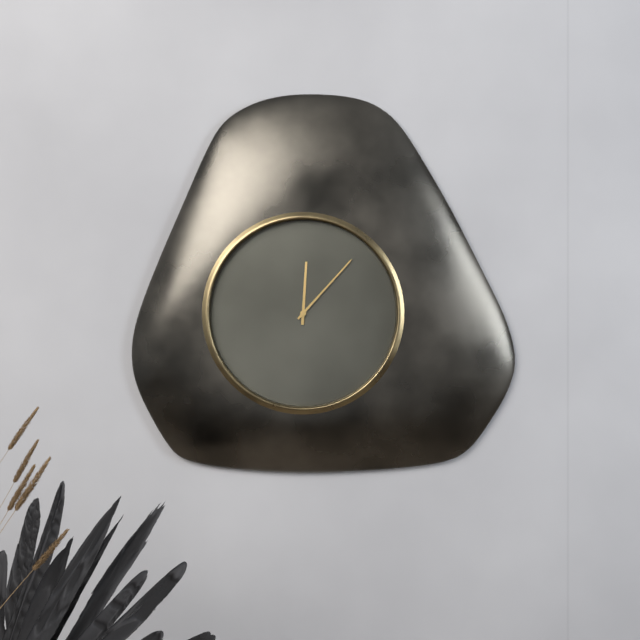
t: 12:07
